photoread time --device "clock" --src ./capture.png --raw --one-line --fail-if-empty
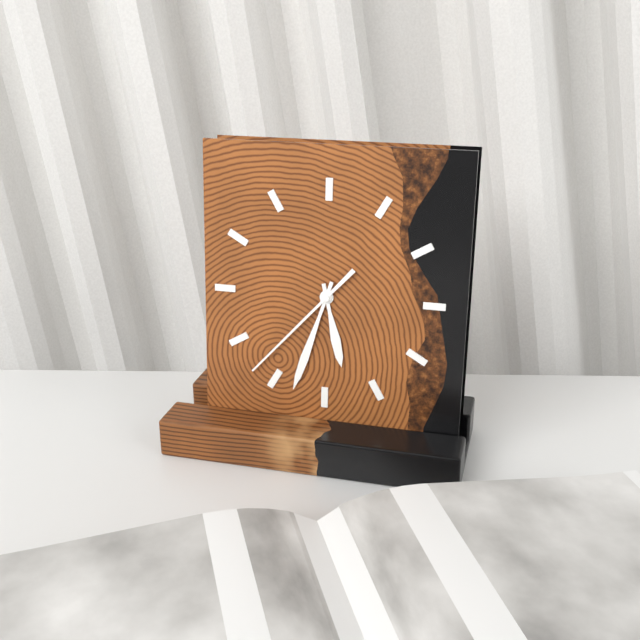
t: 5:33:37
